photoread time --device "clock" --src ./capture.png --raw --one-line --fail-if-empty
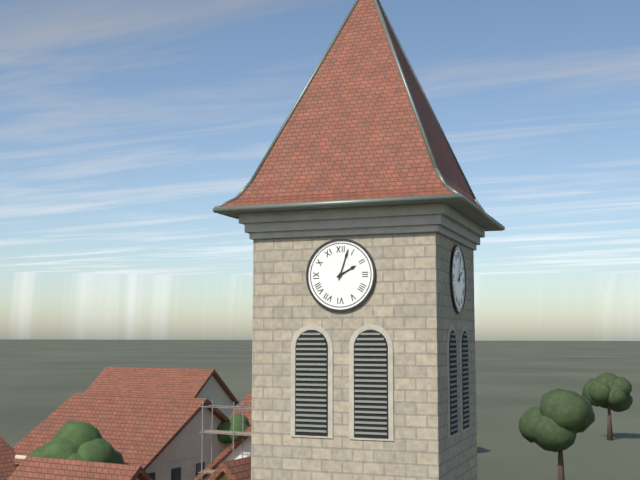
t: 2:03
